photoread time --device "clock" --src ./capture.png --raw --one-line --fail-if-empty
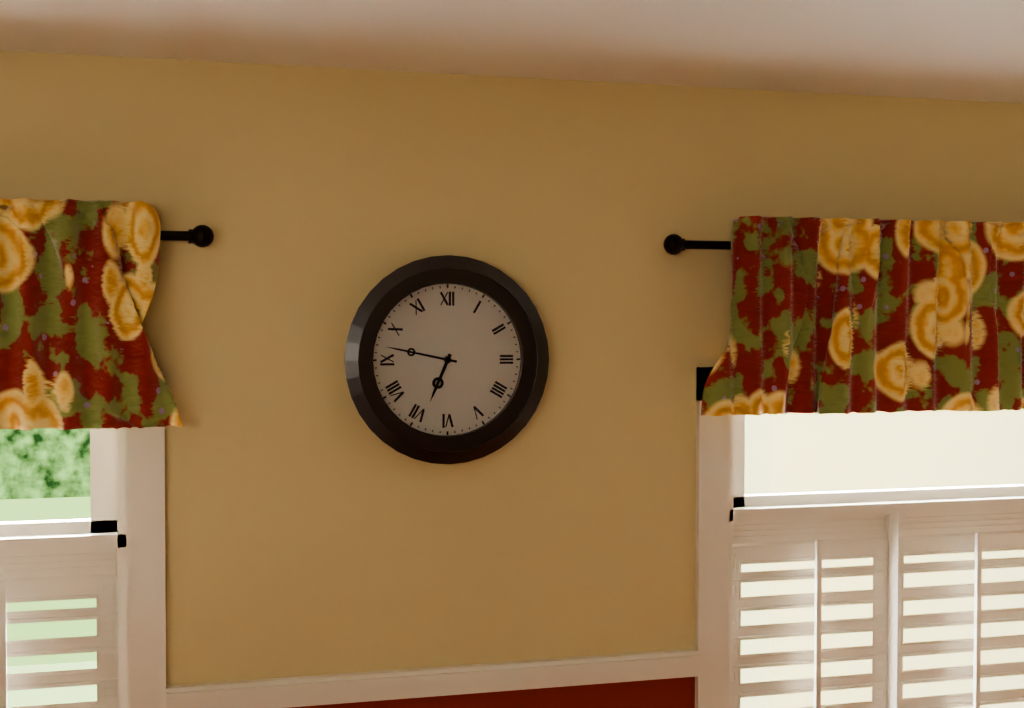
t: 6:47
